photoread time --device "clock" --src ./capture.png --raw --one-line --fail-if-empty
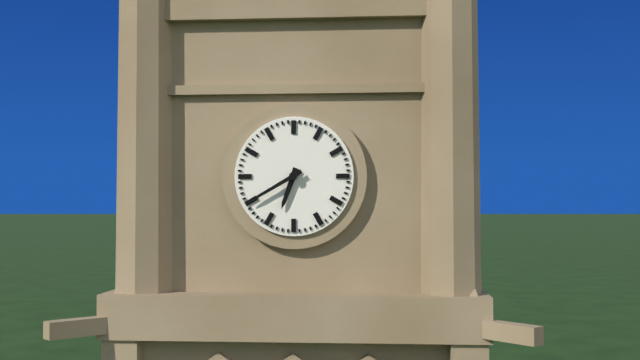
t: 6:40
